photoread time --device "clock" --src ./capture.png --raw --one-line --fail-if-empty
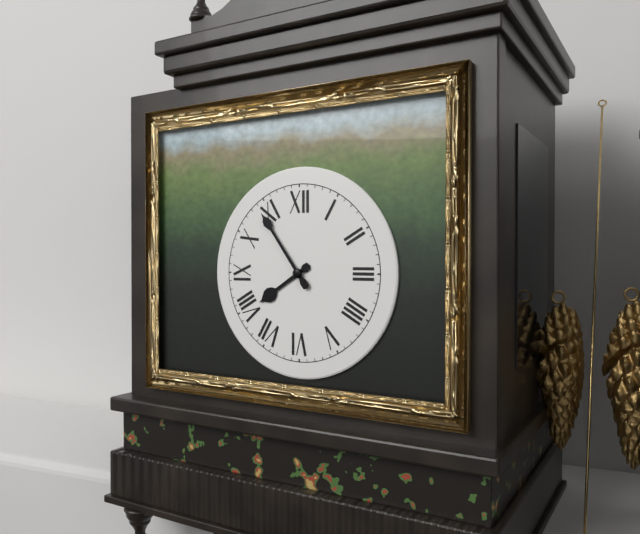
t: 7:54
